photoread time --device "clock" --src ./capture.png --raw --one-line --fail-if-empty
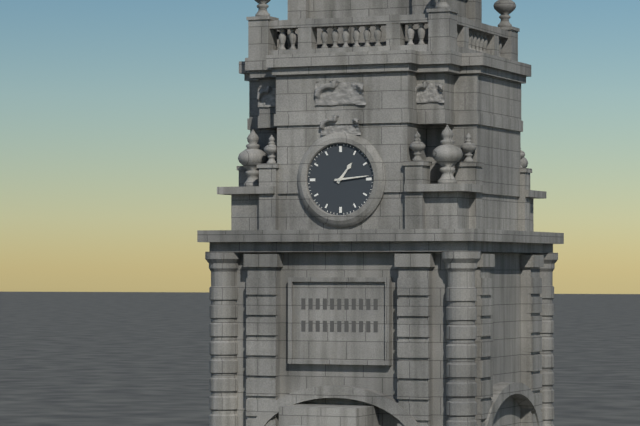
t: 1:14
